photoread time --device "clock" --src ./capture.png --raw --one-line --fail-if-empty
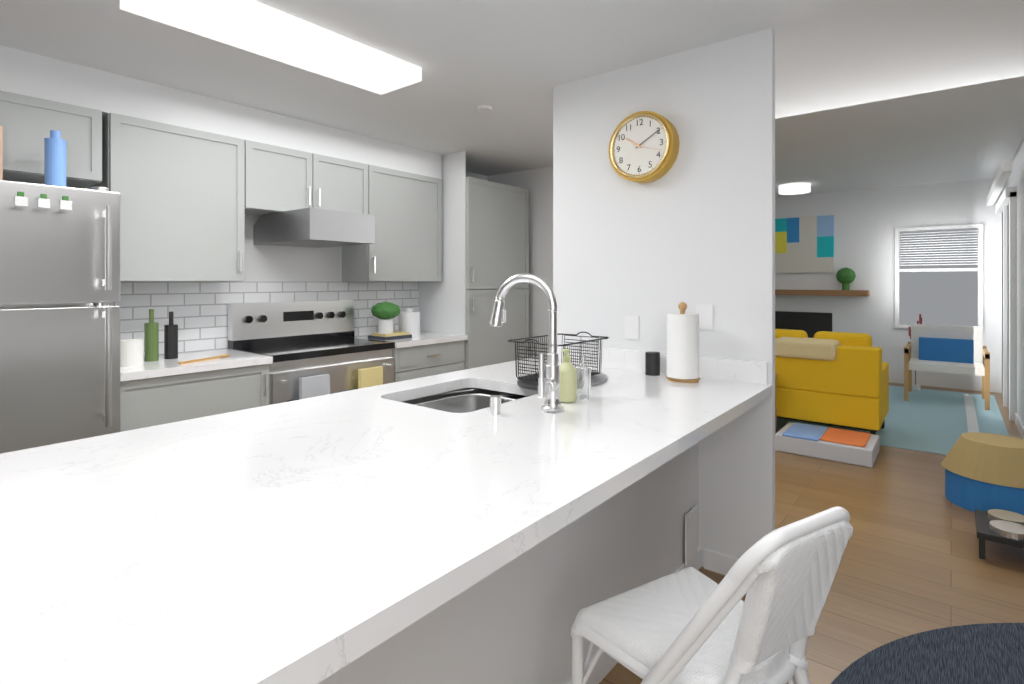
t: 10:10
